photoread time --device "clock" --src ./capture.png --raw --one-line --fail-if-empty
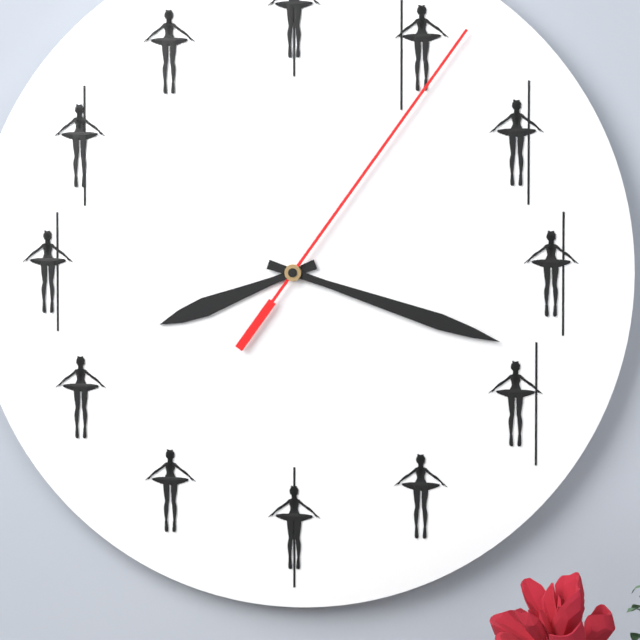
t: 8:18:06
